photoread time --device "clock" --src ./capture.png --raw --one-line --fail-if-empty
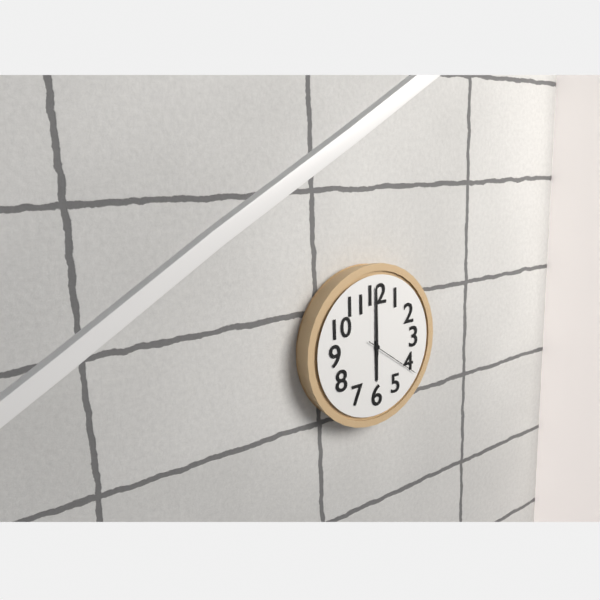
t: 6:00:21
